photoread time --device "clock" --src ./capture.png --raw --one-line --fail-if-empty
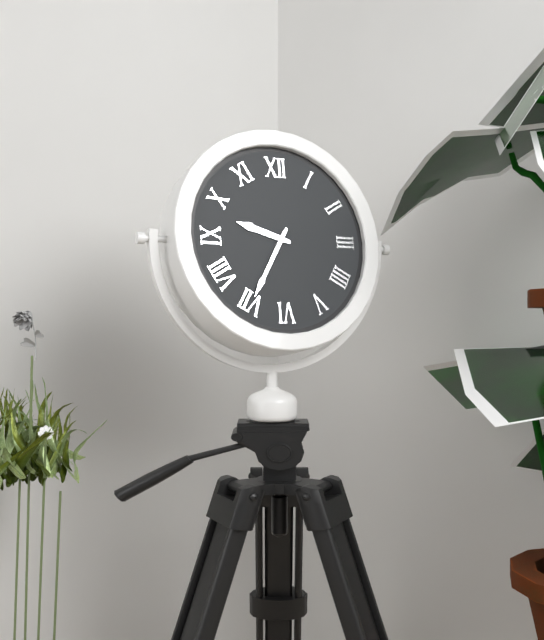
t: 9:35
